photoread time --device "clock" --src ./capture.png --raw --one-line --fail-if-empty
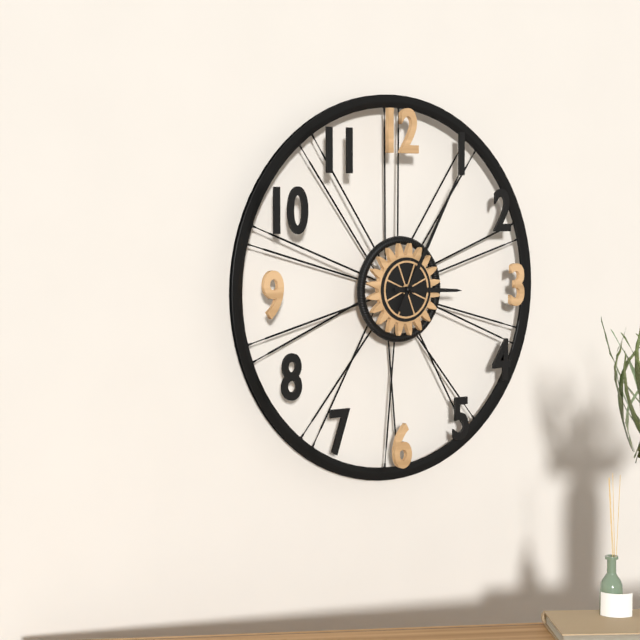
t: 3:05
